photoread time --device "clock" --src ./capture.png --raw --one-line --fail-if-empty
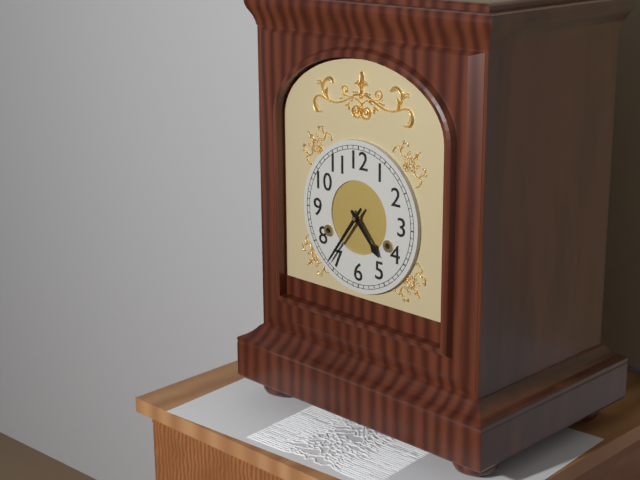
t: 4:36
